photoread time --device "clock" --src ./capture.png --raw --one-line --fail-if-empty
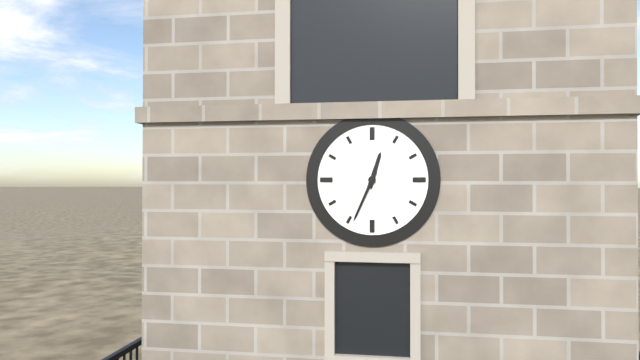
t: 12:34
